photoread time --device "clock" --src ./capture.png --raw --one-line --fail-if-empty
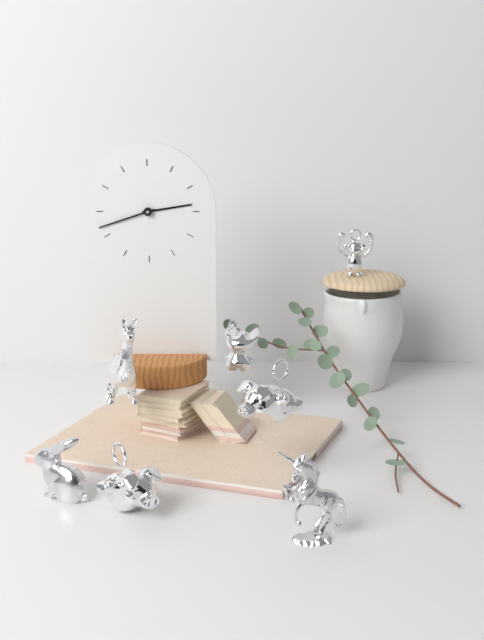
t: 2:42
